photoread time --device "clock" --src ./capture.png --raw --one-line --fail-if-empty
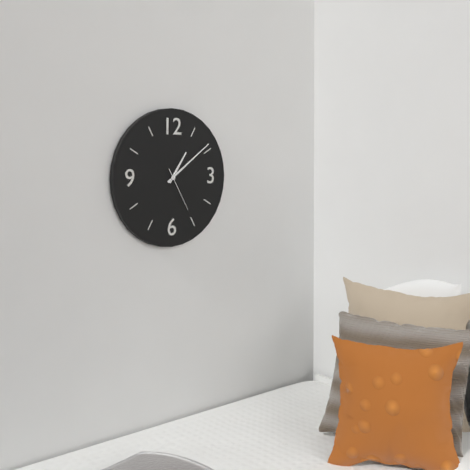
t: 1:09
